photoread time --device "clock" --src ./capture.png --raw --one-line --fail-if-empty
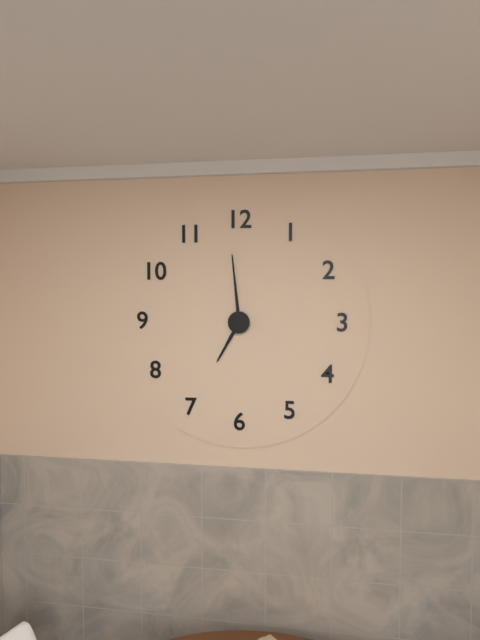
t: 6:59
